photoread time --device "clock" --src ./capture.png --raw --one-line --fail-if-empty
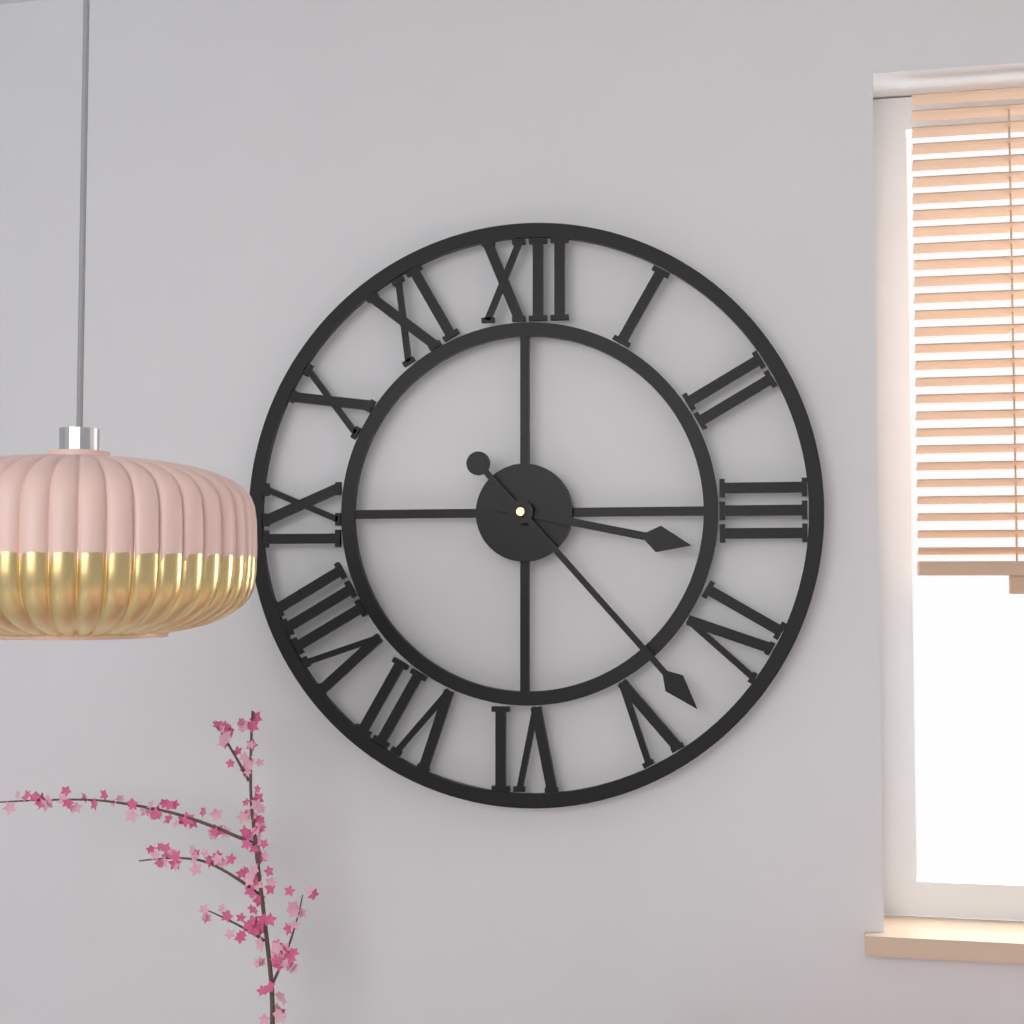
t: 3:23
